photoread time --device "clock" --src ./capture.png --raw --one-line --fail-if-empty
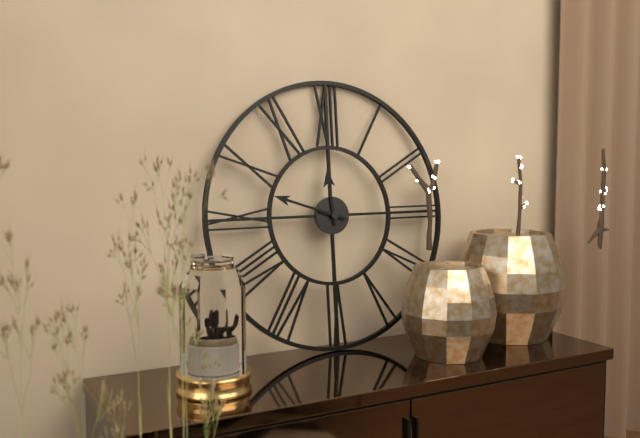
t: 11:48
